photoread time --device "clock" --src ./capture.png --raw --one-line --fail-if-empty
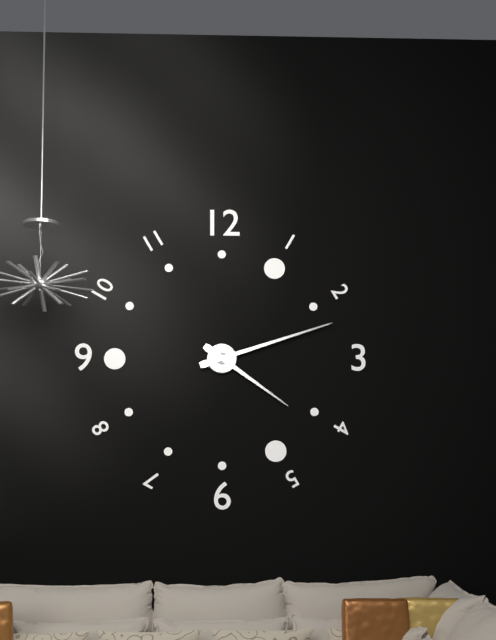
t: 4:12
